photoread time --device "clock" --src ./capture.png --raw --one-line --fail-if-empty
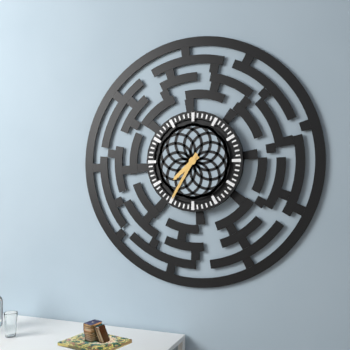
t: 7:35
